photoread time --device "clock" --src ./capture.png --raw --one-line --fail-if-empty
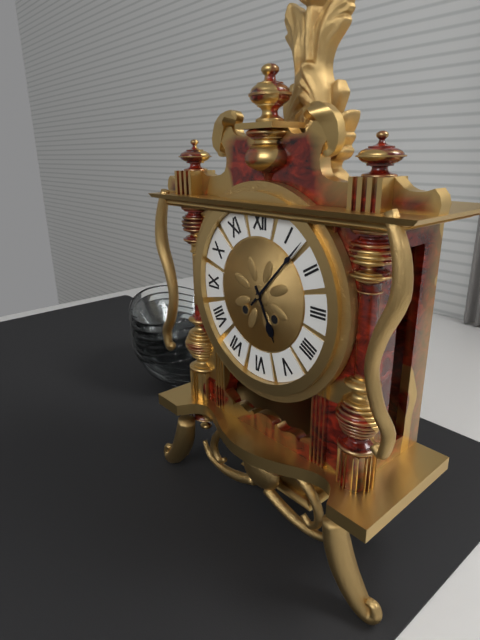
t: 5:07
